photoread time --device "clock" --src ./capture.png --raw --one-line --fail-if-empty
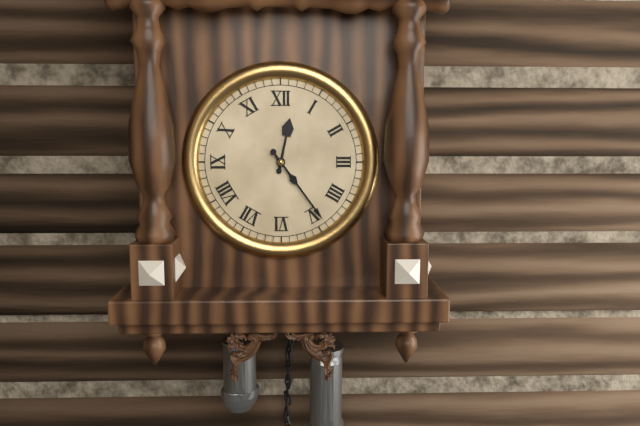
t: 12:24
